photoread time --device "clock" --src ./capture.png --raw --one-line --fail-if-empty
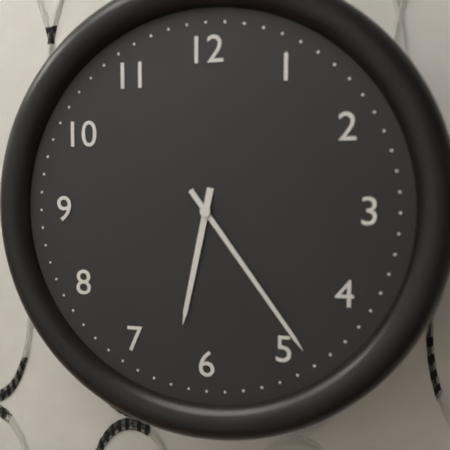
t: 6:24
